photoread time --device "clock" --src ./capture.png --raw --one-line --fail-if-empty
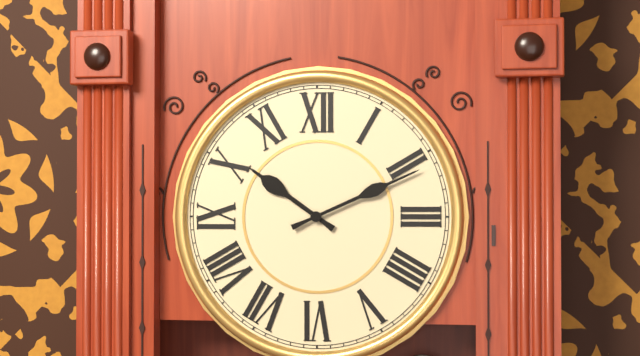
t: 10:11
